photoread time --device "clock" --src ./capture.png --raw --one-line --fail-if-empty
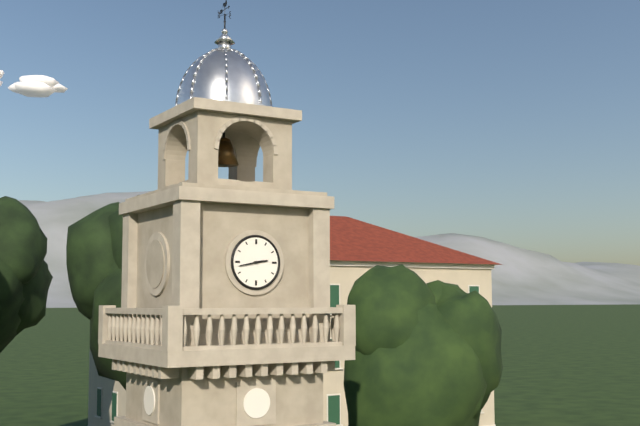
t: 2:43
